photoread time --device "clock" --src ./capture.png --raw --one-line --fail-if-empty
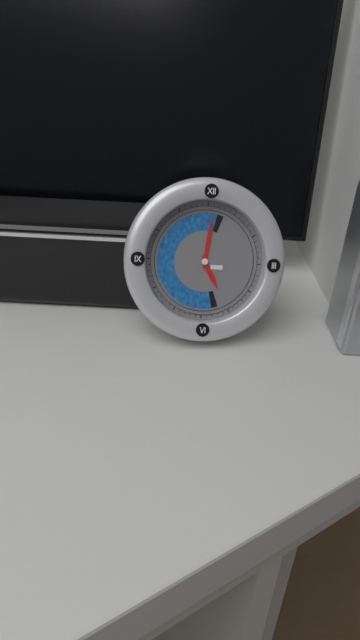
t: 5:01
